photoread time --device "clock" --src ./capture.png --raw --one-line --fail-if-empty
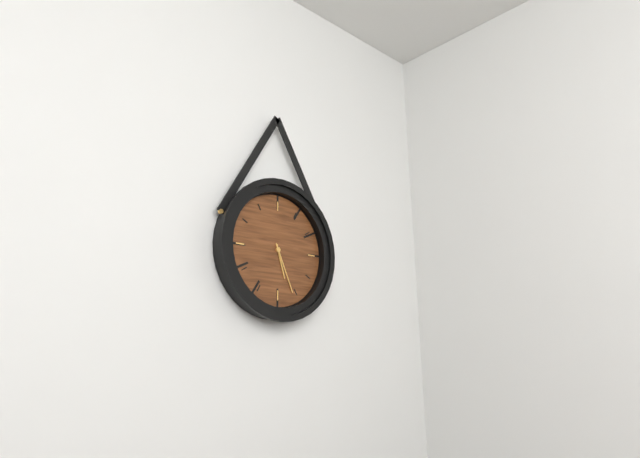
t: 5:26
